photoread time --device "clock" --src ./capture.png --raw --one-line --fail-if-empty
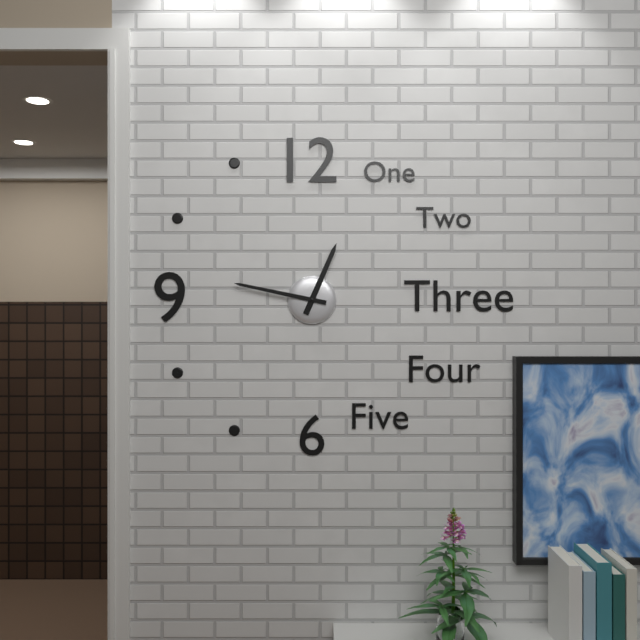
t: 12:47
